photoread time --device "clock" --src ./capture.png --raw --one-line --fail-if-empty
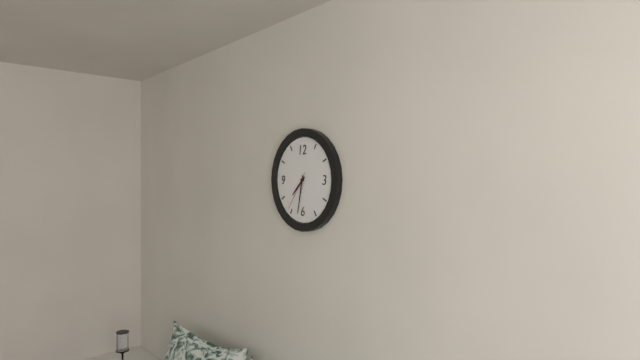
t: 7:32
